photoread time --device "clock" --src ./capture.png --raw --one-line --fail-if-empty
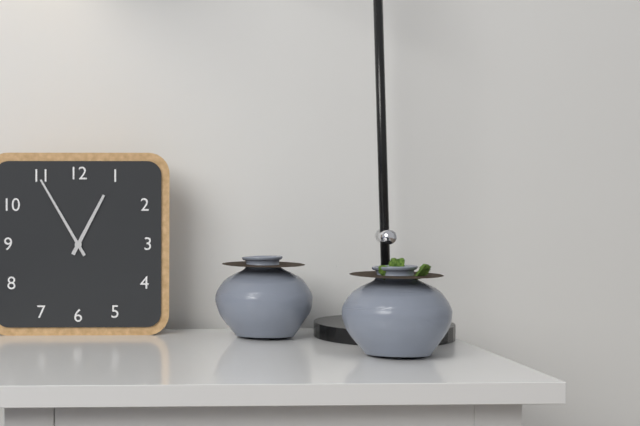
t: 12:55
